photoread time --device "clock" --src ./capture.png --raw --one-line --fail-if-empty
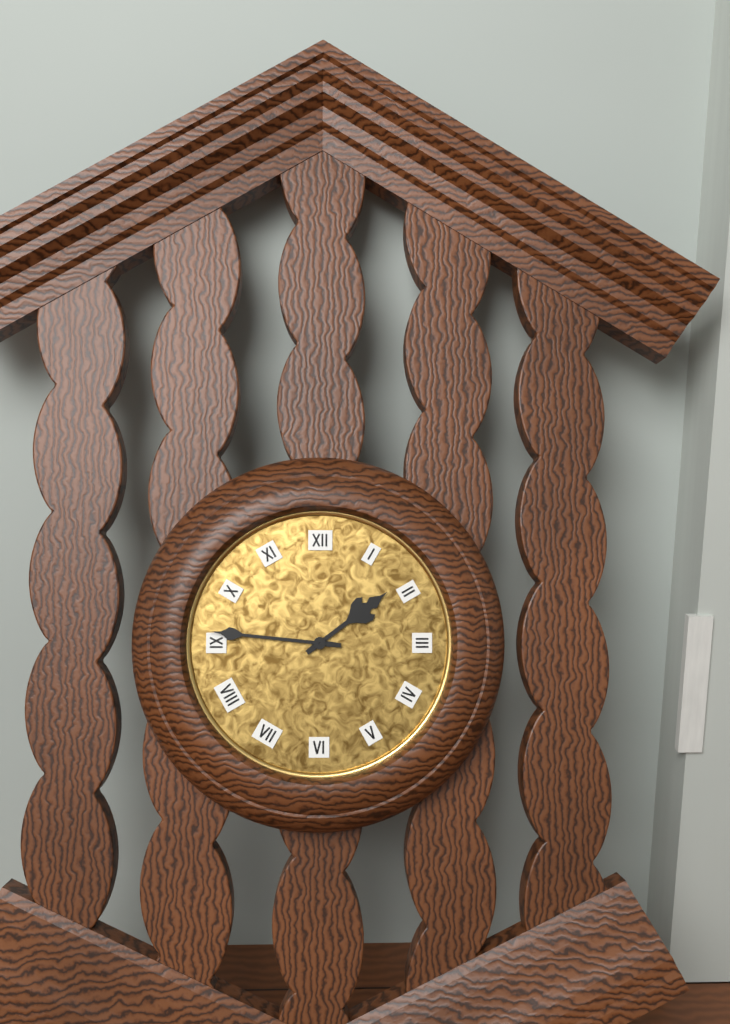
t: 1:46
